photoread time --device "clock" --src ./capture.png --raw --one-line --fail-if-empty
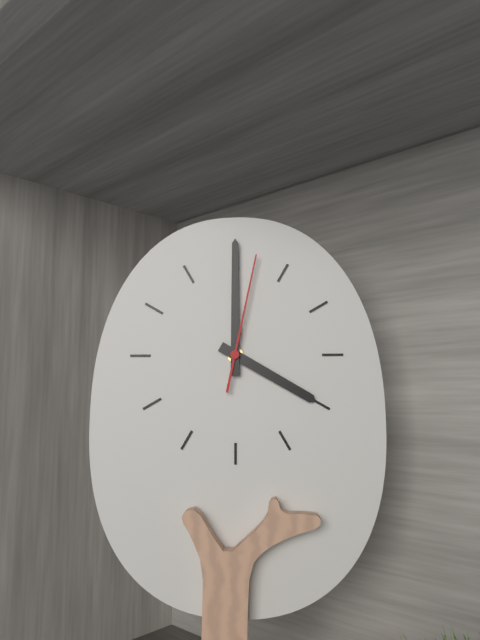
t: 4:00:02
